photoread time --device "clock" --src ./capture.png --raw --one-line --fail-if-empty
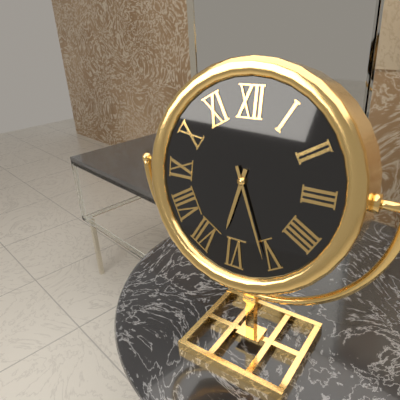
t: 6:26
